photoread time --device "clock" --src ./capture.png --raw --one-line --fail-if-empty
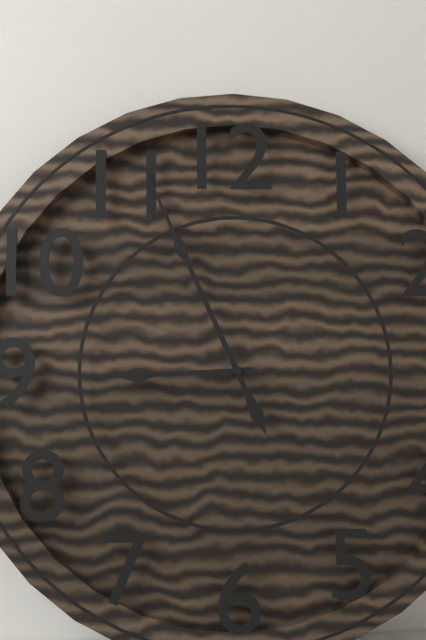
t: 8:56
